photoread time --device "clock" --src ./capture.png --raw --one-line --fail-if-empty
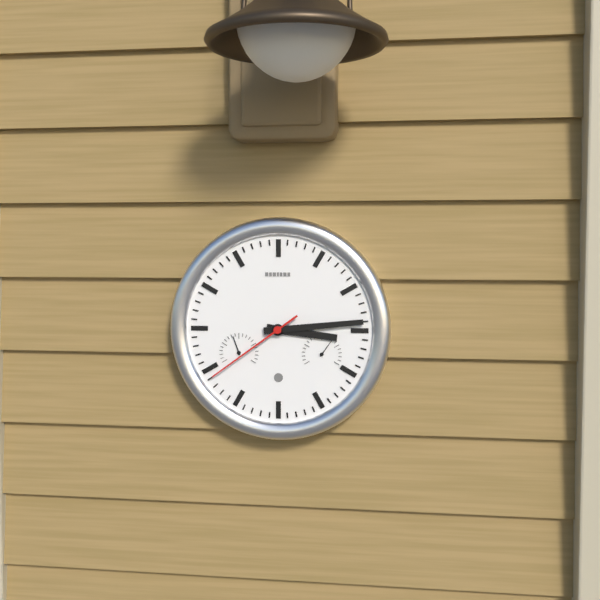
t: 3:14:39
